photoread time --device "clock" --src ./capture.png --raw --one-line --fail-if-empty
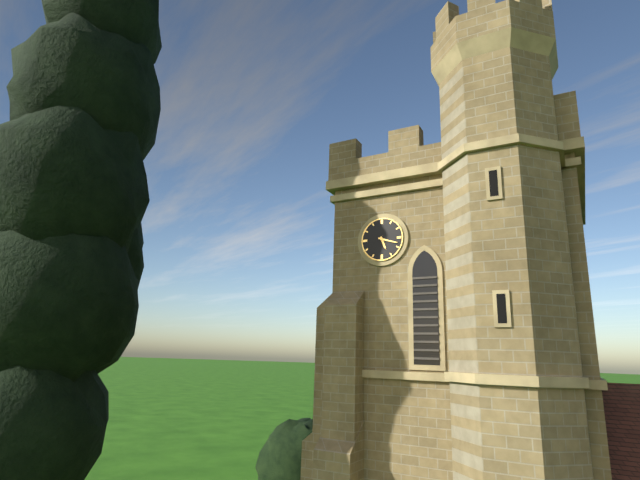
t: 5:18
